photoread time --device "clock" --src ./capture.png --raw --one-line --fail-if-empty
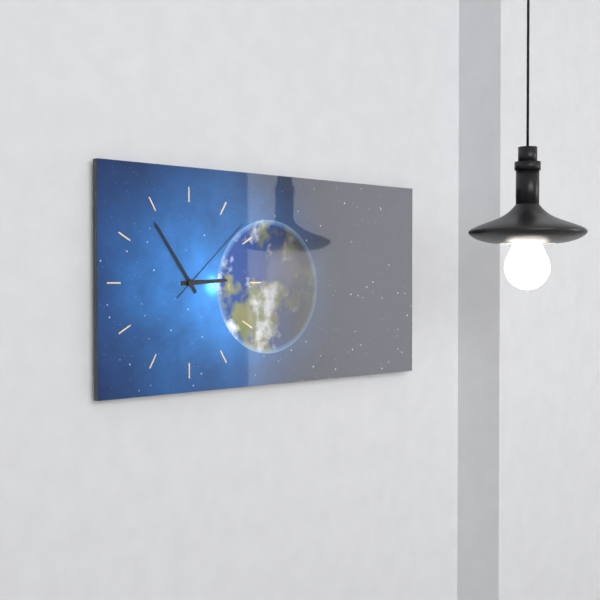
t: 2:54:08
